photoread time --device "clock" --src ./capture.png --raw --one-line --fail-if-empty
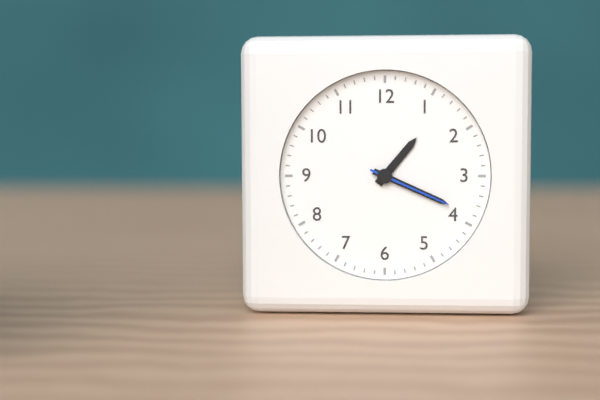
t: 1:19:19
